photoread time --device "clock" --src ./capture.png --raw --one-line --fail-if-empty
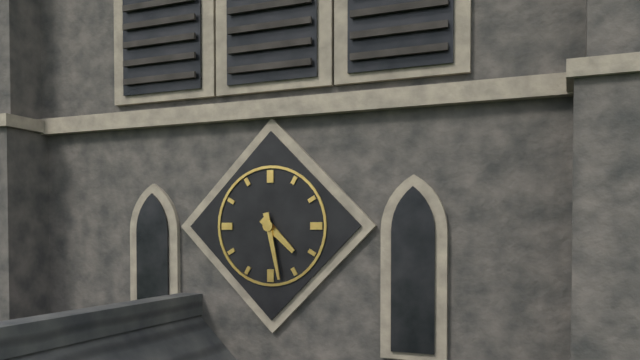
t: 4:28
